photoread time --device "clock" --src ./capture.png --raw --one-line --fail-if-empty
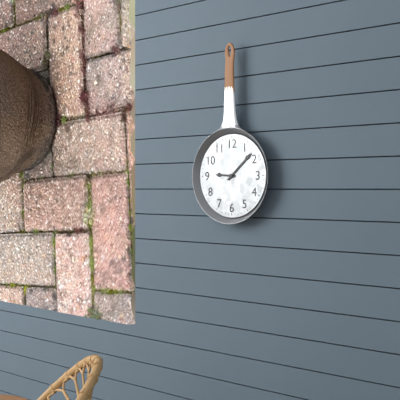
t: 9:08
